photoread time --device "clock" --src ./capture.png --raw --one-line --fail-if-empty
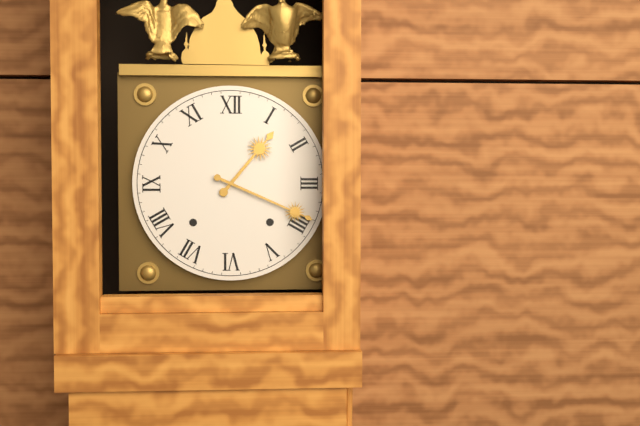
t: 1:19
